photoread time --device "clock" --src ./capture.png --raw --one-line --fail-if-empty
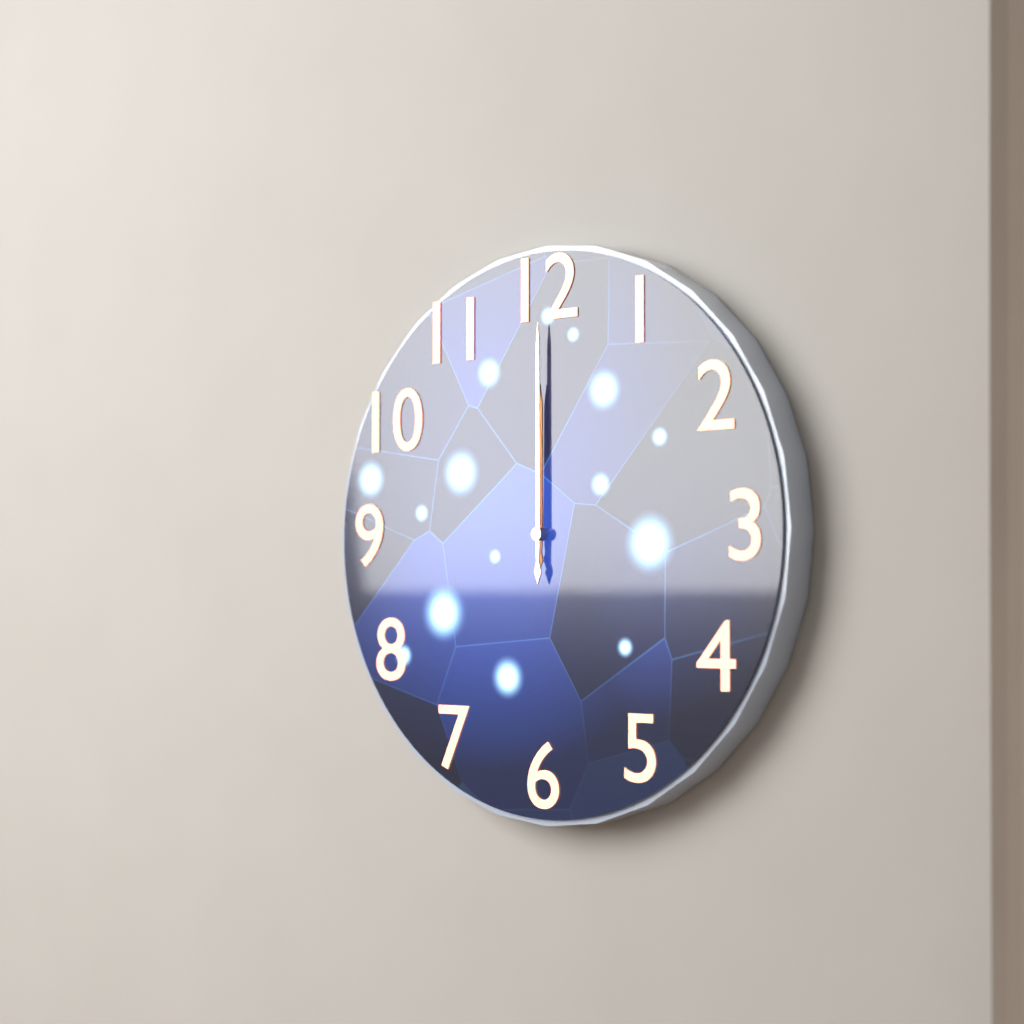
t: 12:00
